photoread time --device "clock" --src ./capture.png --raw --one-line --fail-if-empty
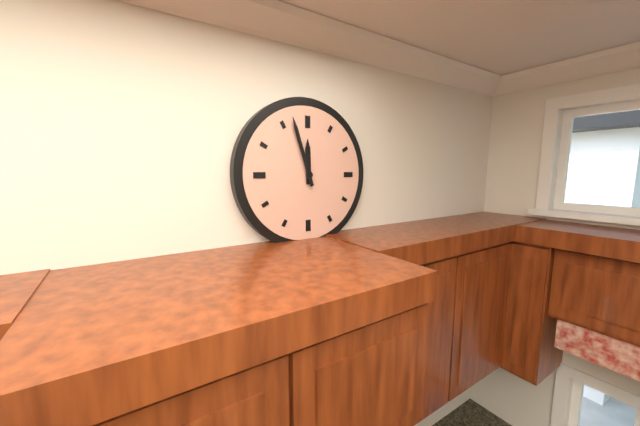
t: 11:57
